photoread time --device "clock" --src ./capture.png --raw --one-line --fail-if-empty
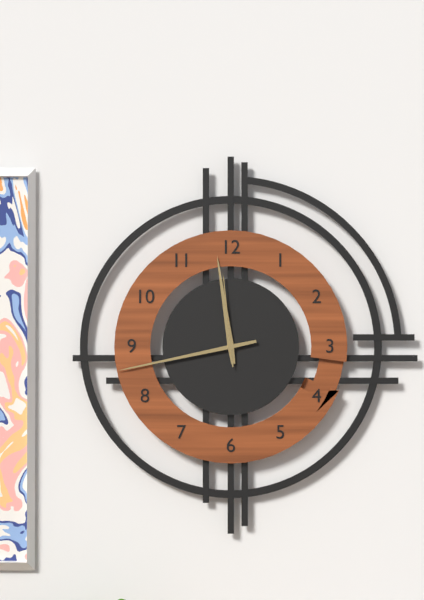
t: 11:43:59
